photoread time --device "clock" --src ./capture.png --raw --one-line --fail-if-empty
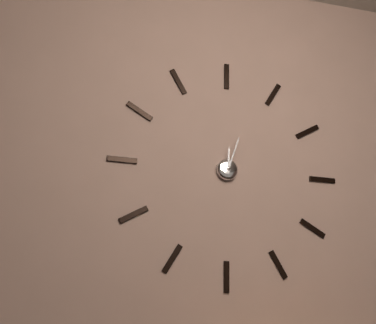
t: 12:03
